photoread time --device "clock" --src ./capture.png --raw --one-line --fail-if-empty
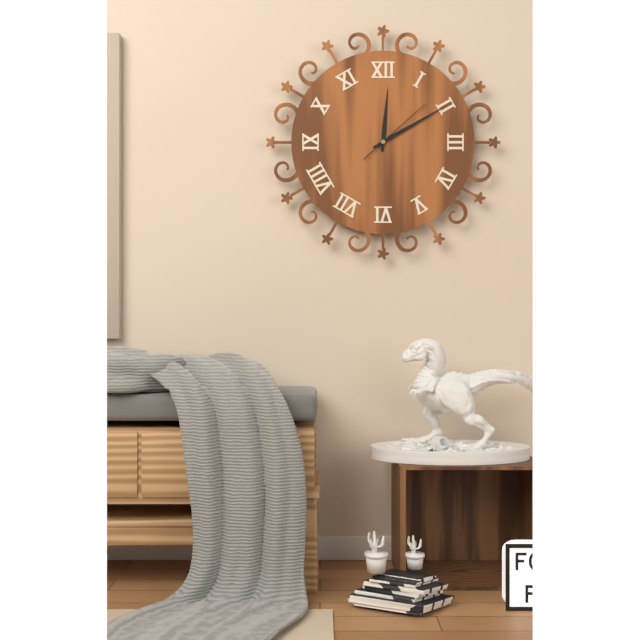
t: 12:10:08
